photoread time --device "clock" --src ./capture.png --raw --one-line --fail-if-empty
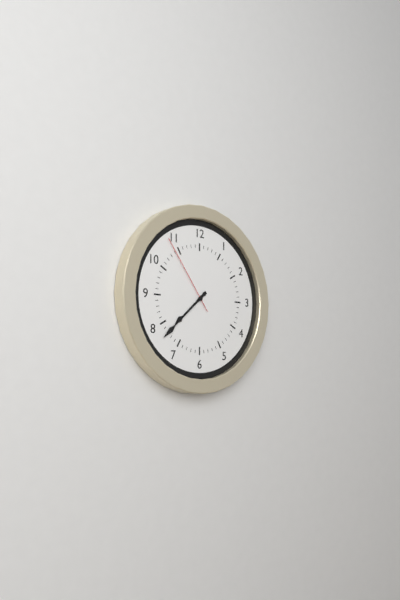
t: 7:38:54
